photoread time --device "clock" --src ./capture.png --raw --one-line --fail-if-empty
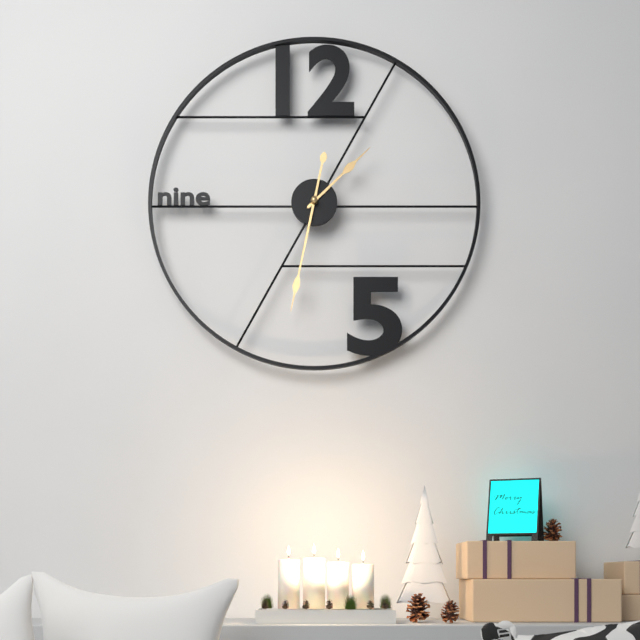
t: 1:32
